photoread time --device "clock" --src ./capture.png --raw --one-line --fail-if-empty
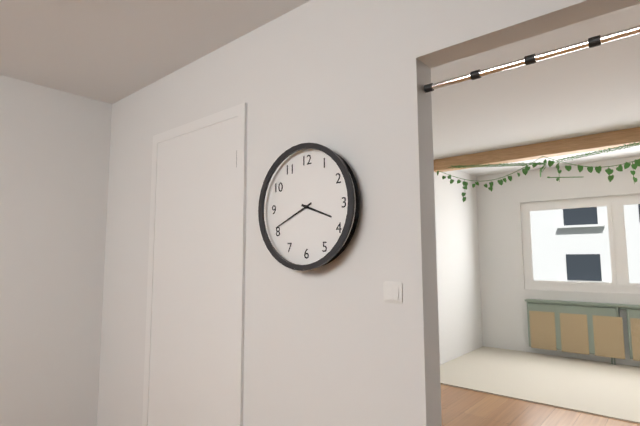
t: 3:41
